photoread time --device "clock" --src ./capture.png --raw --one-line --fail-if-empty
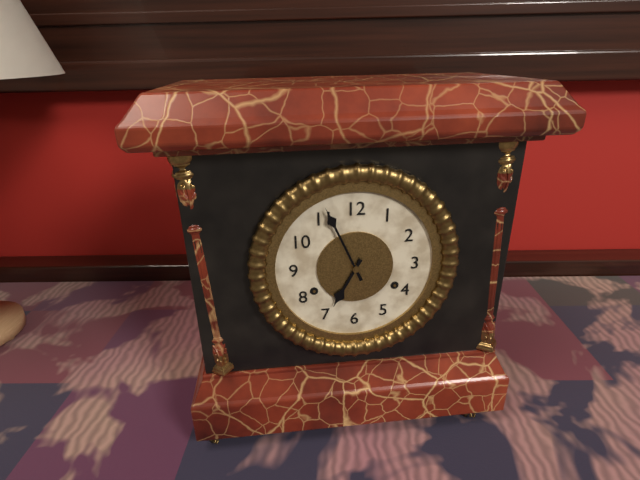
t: 6:56
